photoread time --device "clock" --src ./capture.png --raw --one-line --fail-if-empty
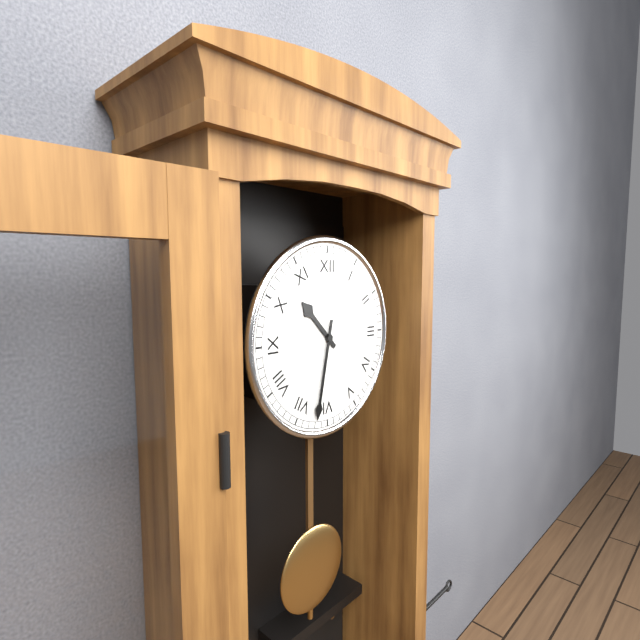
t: 10:32
